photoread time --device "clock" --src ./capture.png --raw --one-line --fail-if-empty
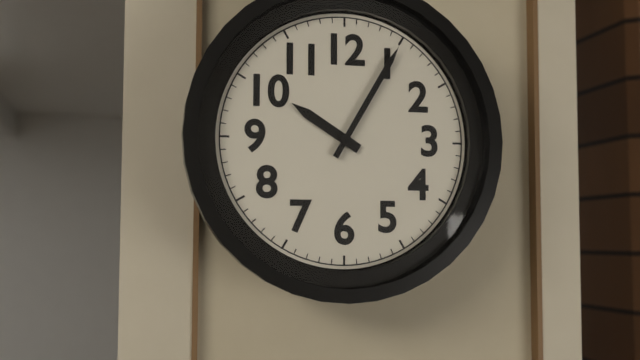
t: 10:05
